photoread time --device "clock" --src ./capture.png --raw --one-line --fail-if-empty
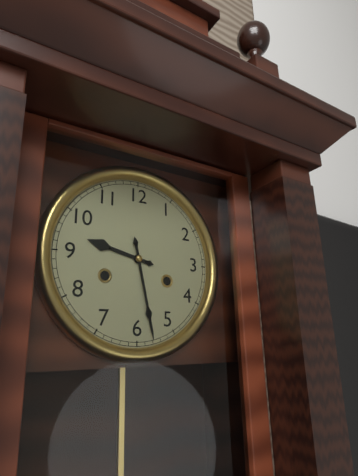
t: 9:28
